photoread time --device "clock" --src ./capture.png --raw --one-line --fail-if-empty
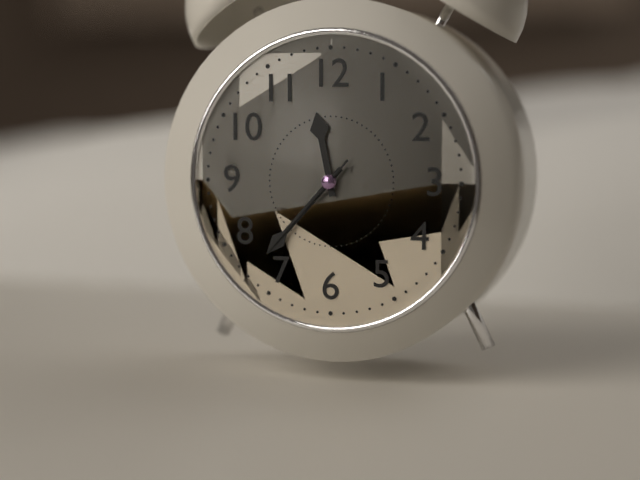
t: 11:37:37
